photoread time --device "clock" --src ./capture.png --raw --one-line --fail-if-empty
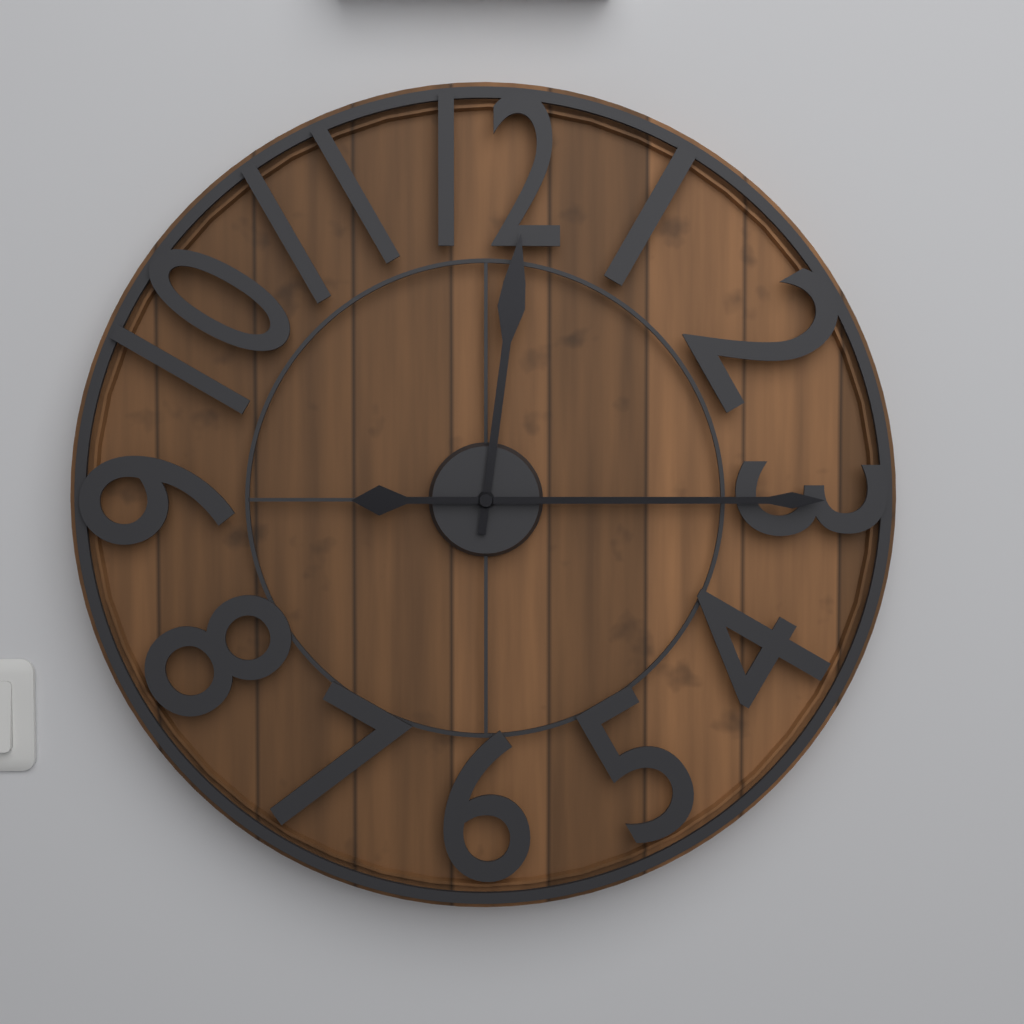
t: 12:15
